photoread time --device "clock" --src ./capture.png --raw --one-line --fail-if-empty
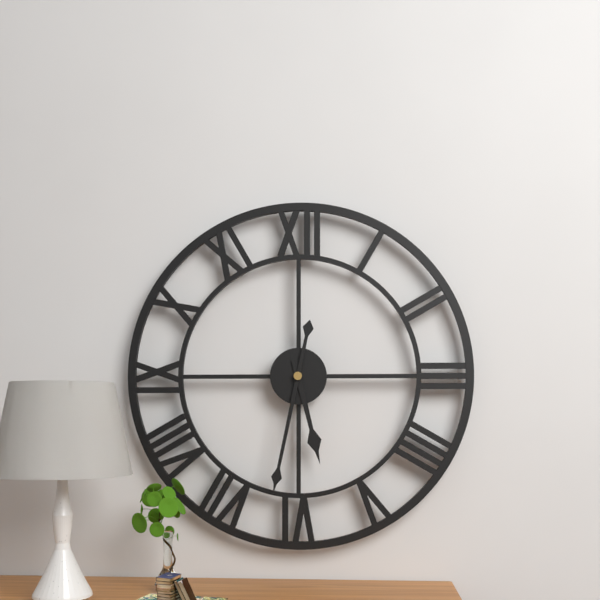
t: 5:32
